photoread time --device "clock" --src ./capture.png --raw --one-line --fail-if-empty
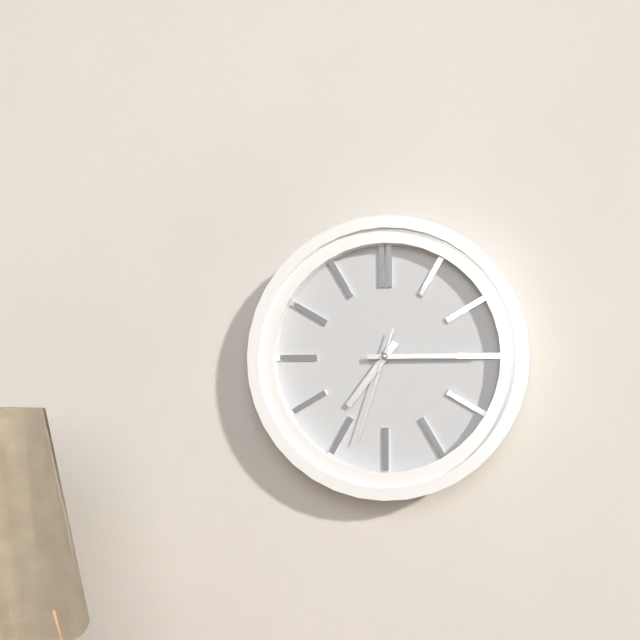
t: 7:15:33
